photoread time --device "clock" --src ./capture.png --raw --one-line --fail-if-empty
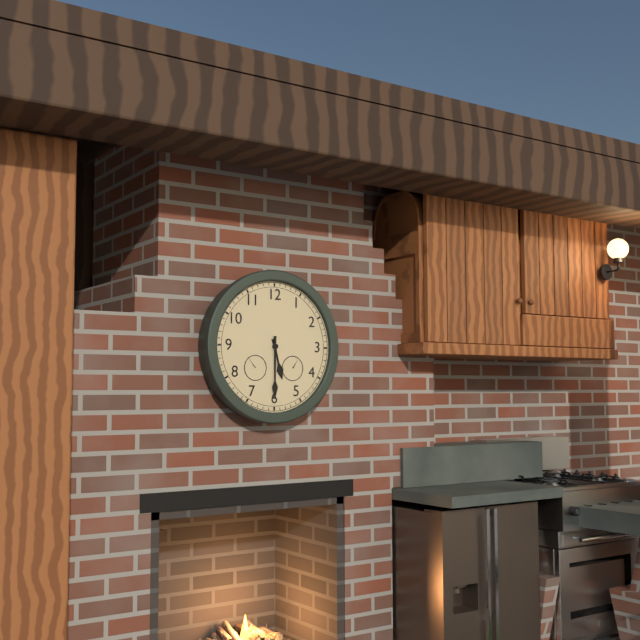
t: 5:30
